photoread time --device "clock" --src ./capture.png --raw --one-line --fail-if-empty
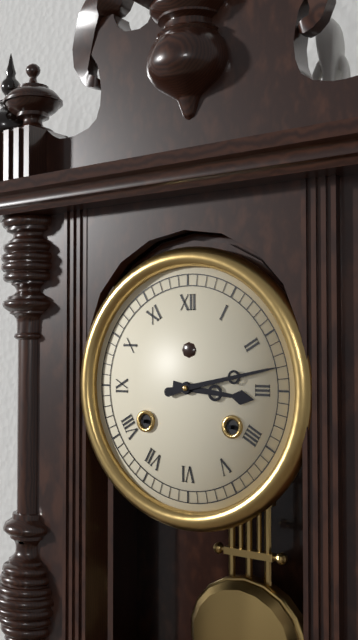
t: 3:13
